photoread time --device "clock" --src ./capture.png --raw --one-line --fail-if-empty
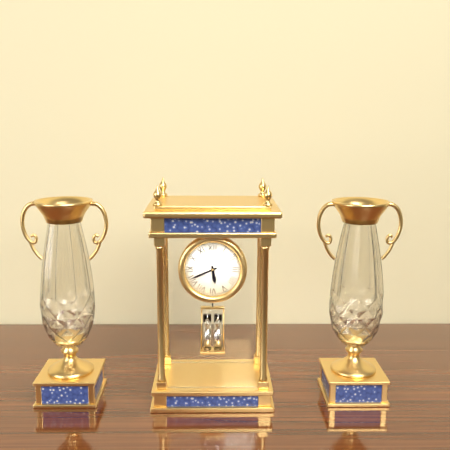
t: 5:41
